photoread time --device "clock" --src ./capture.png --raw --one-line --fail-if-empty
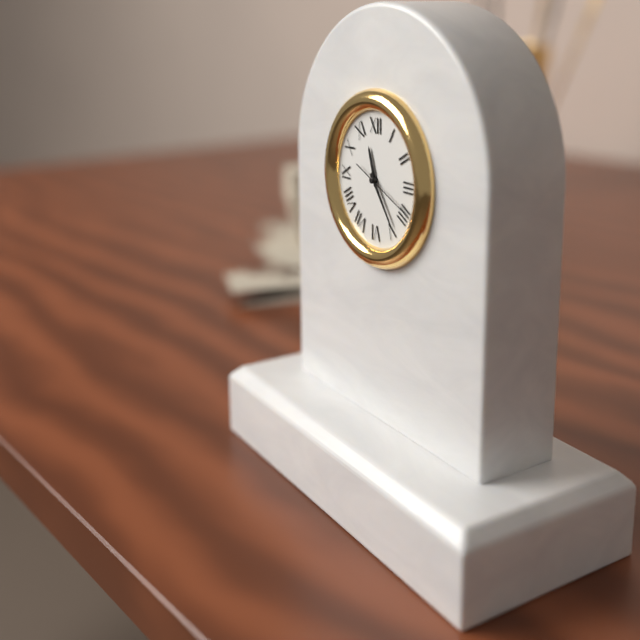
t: 11:24:19
